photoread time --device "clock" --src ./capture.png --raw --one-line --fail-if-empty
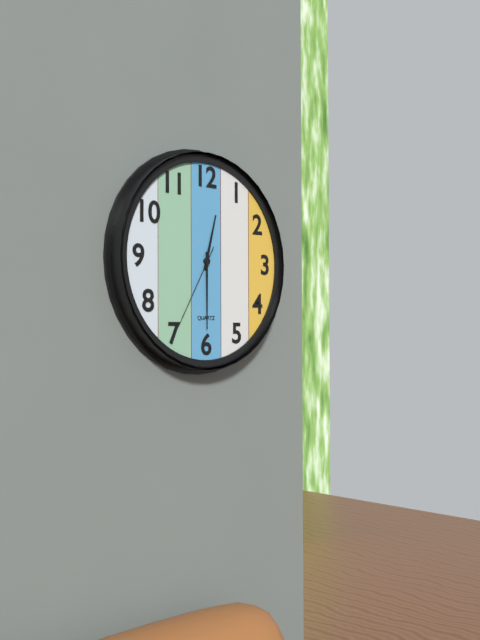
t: 12:30:35
